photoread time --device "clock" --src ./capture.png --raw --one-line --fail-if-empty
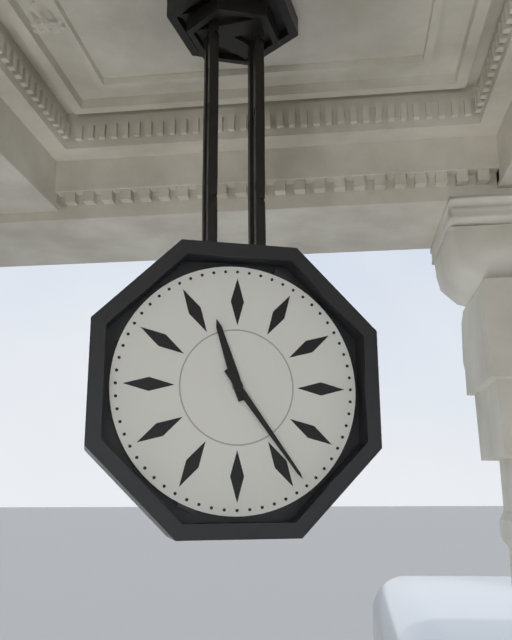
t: 11:24
